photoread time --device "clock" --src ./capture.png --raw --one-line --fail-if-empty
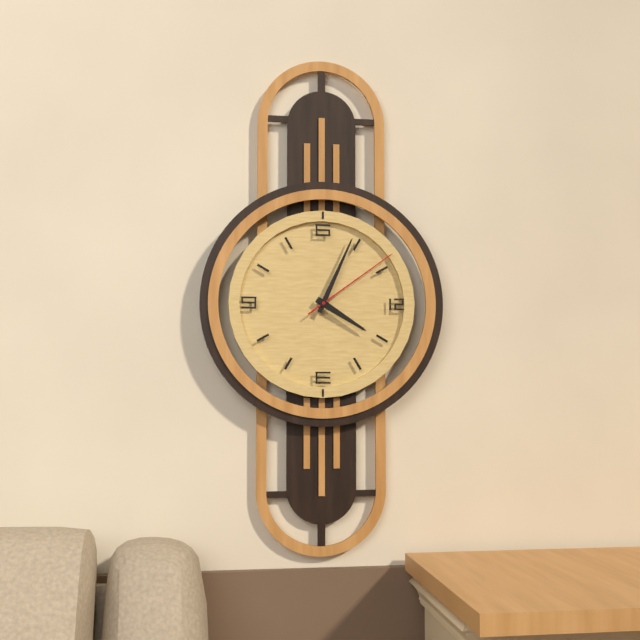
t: 4:04:09
